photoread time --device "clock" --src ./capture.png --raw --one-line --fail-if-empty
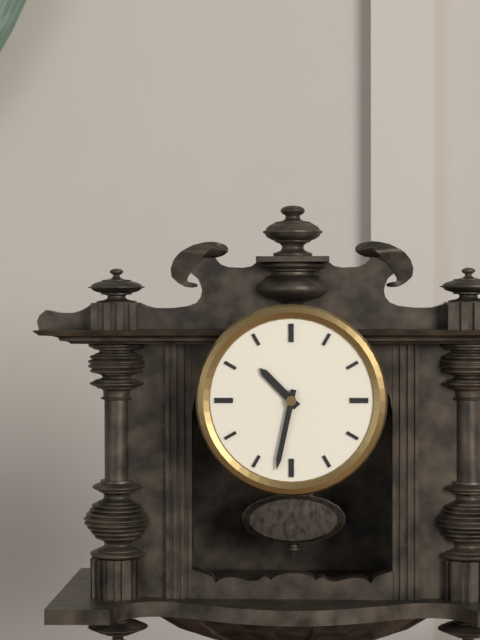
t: 10:32
